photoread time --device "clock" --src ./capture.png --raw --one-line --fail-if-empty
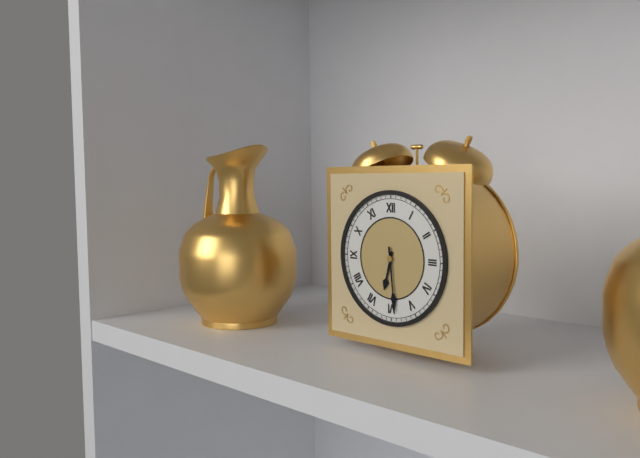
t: 6:29
